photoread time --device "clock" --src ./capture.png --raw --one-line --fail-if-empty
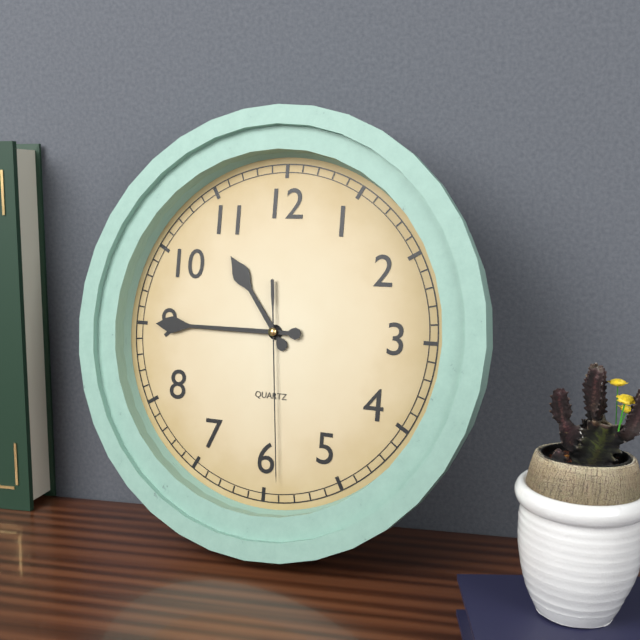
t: 10:45:29
